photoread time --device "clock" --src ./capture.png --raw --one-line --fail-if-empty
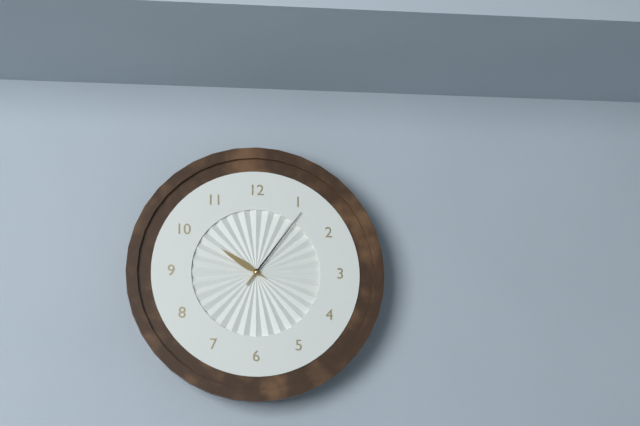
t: 10:06
